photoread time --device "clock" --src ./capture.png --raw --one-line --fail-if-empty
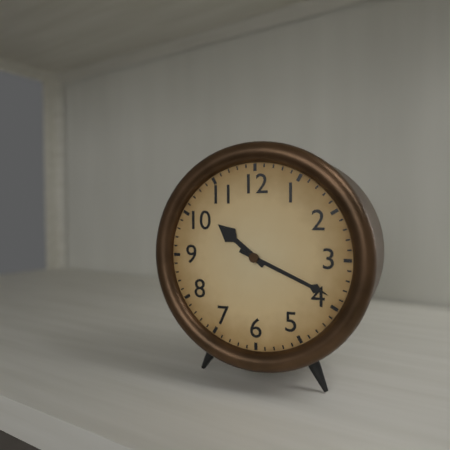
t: 10:19
